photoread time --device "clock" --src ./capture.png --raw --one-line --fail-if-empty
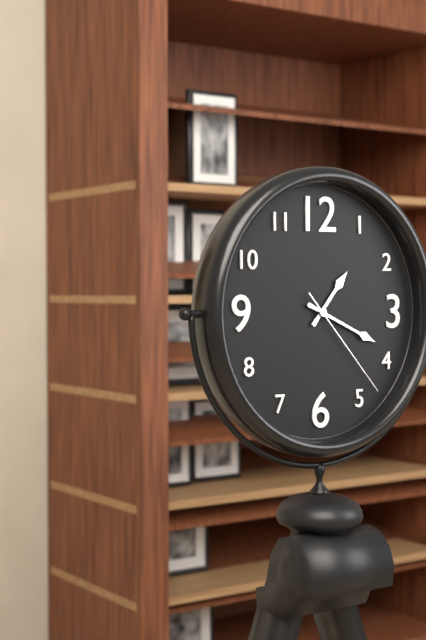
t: 1:19:23
